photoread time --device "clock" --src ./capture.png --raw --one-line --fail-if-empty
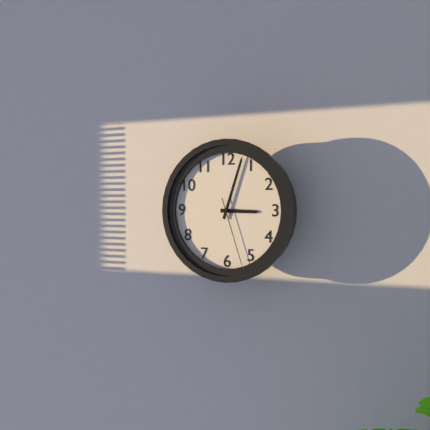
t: 3:03:27
